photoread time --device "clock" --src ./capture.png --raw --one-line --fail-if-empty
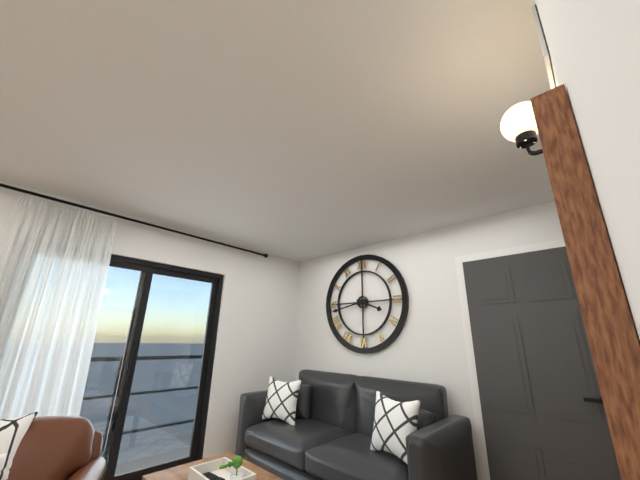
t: 3:43
